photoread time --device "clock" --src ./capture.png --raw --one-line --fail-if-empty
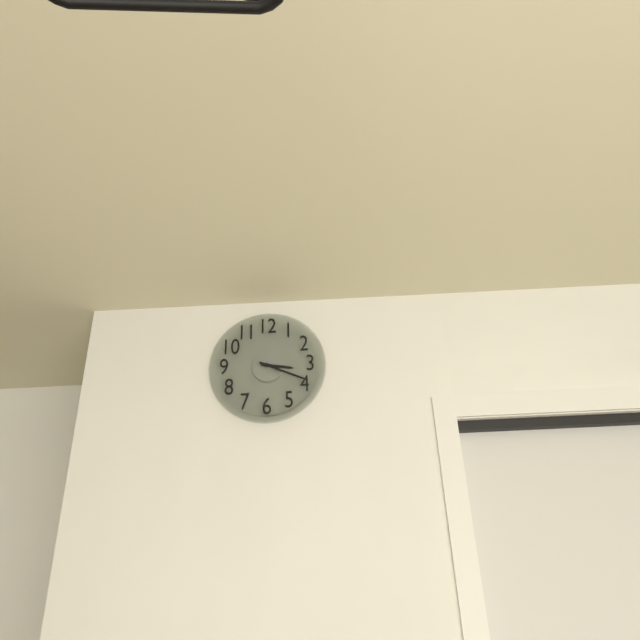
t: 3:19
